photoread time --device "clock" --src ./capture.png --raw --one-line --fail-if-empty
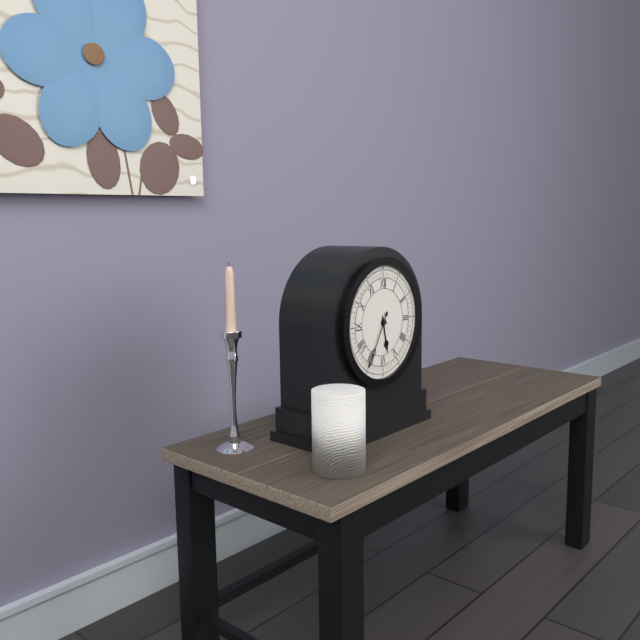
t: 5:35
